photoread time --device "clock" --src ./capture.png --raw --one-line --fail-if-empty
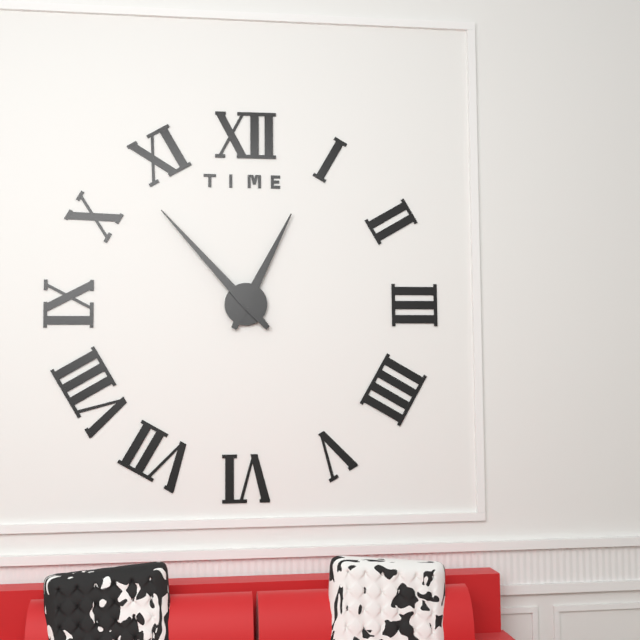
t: 12:53
